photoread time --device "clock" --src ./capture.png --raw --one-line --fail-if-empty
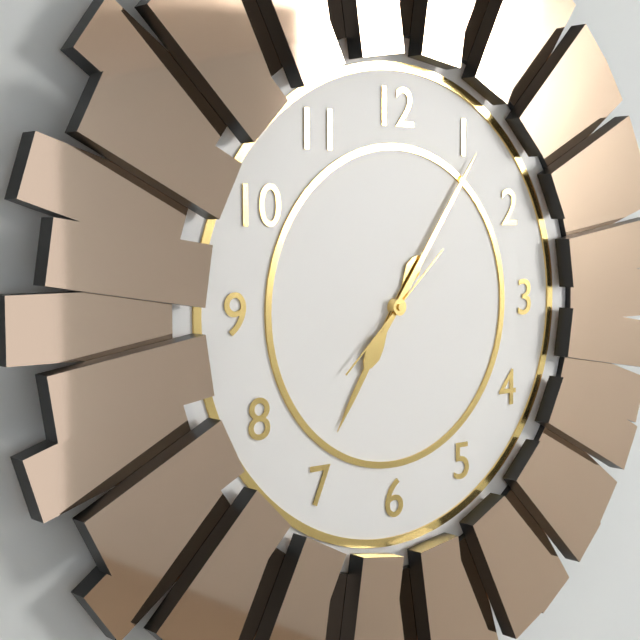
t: 7:06:38
